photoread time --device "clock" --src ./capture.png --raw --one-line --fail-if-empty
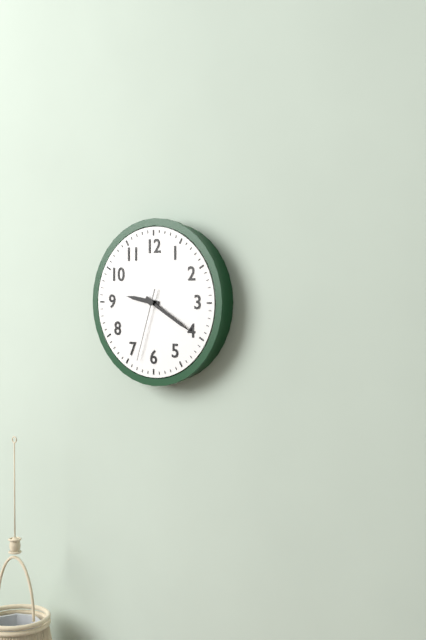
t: 9:20:33
